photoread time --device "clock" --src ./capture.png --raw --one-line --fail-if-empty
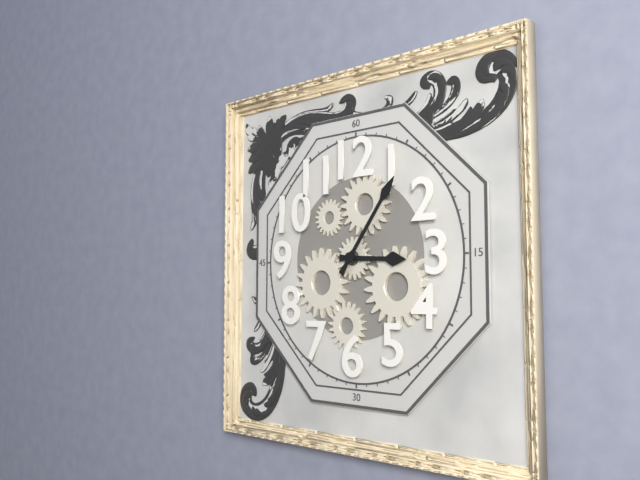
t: 3:06
